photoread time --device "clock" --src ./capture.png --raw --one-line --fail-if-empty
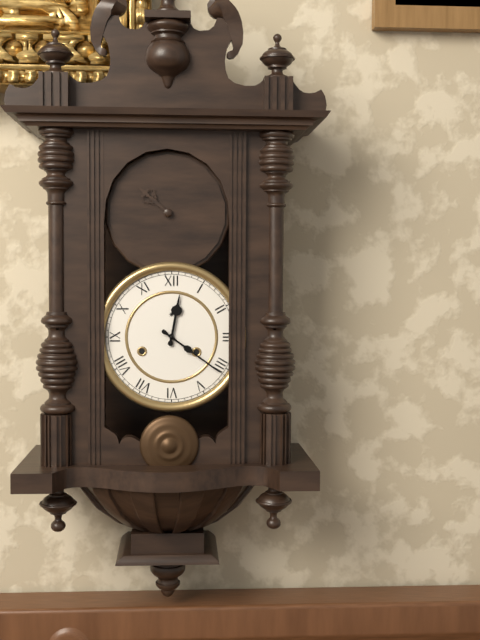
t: 12:21
